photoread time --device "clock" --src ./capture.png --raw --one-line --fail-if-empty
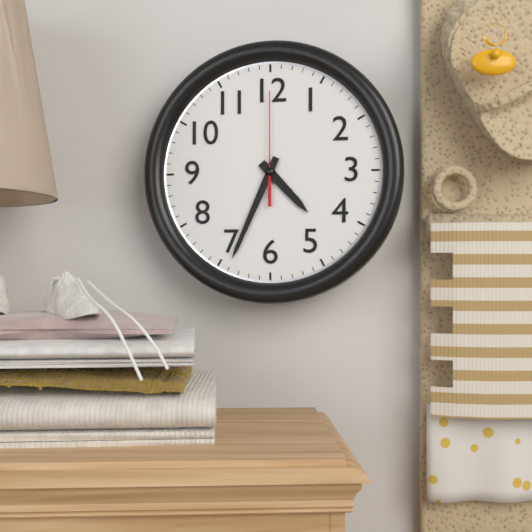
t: 4:34:00
